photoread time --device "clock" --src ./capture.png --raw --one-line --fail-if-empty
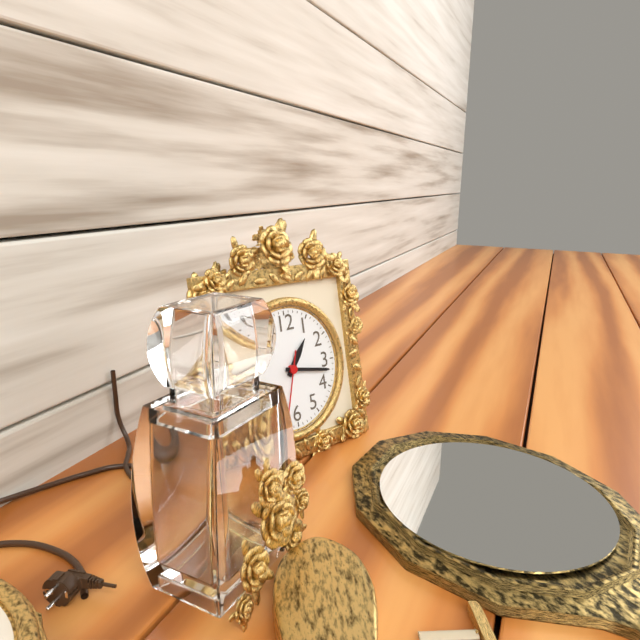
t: 1:17:33
